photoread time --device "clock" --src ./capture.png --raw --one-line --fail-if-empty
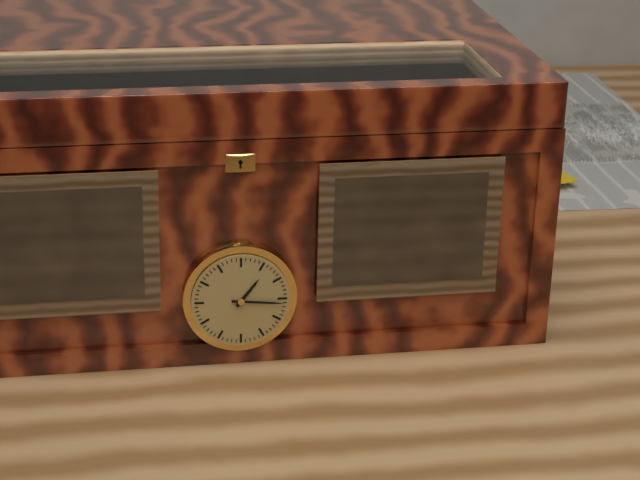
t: 1:16
